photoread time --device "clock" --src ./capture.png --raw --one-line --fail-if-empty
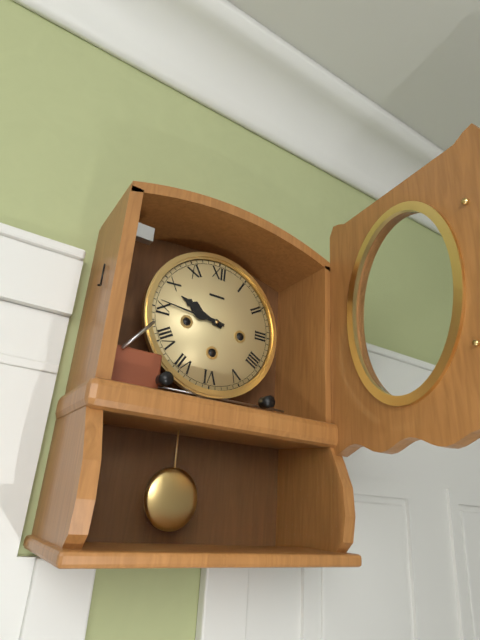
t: 9:46
